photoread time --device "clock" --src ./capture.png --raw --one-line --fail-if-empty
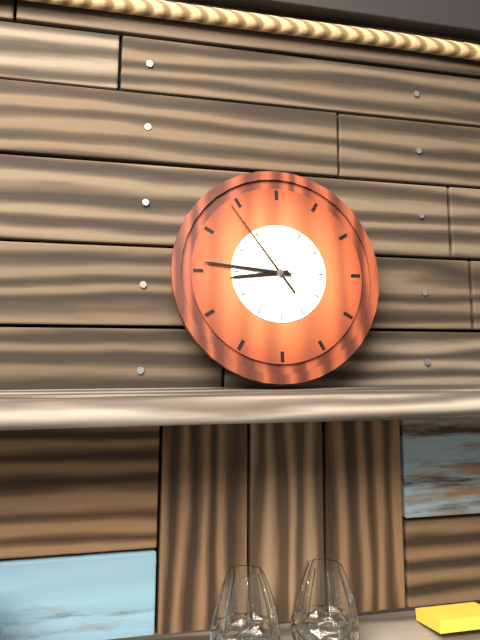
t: 8:46:54
